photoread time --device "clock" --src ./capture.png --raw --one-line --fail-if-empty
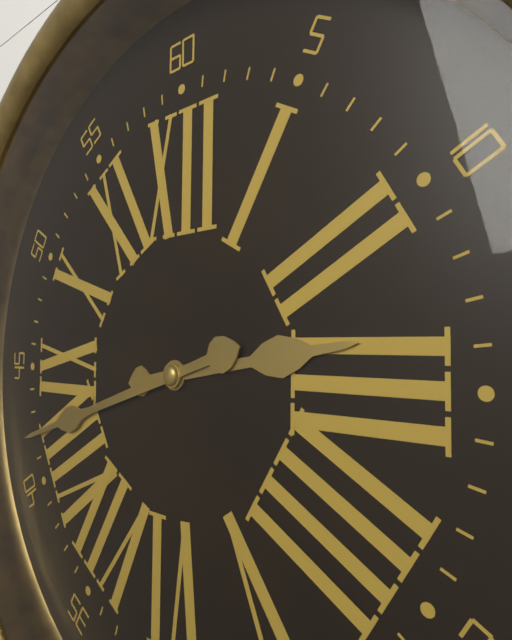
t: 2:42
